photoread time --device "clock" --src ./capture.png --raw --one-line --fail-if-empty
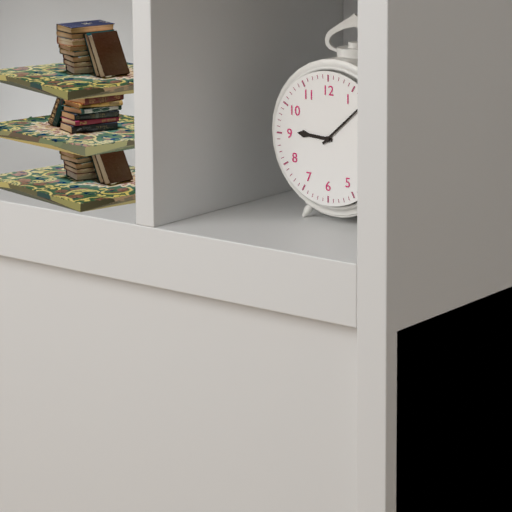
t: 9:08
